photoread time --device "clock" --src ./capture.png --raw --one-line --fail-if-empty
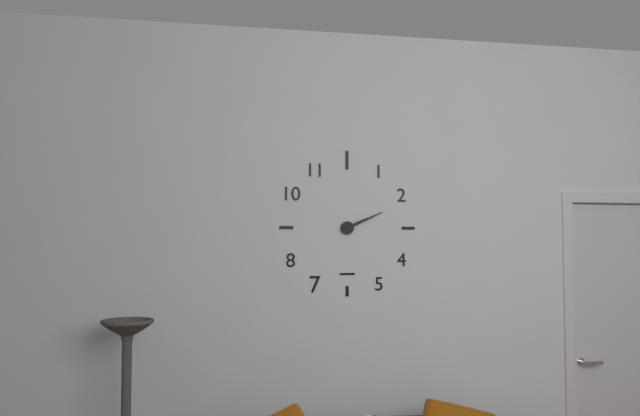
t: 2:11
